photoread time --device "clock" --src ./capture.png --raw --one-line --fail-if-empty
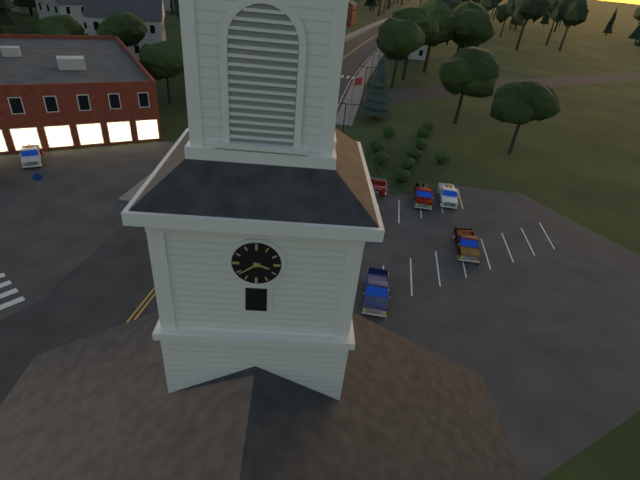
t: 3:39
